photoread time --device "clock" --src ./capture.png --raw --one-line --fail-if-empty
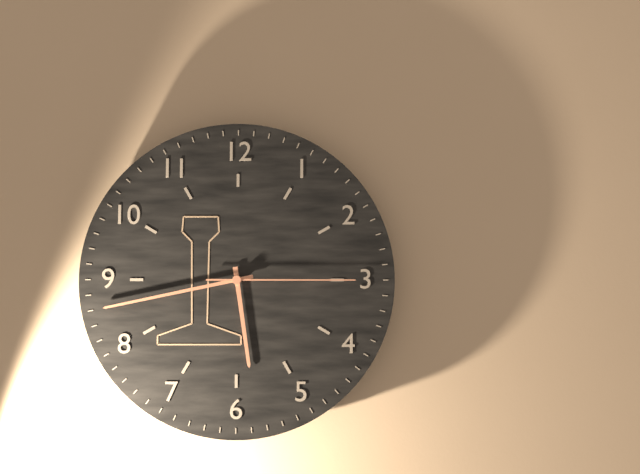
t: 5:43:15
